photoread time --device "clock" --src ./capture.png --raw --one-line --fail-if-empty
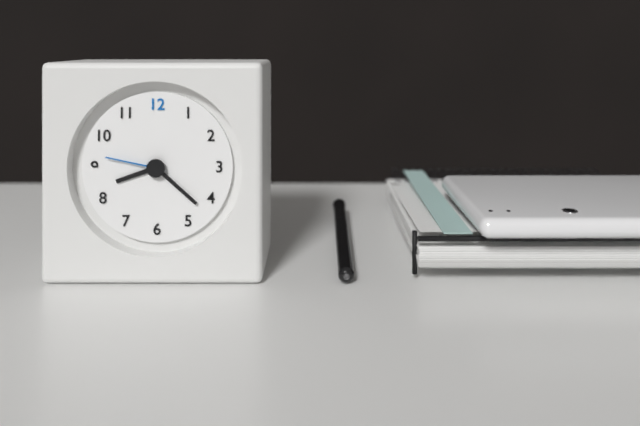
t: 8:22:47
